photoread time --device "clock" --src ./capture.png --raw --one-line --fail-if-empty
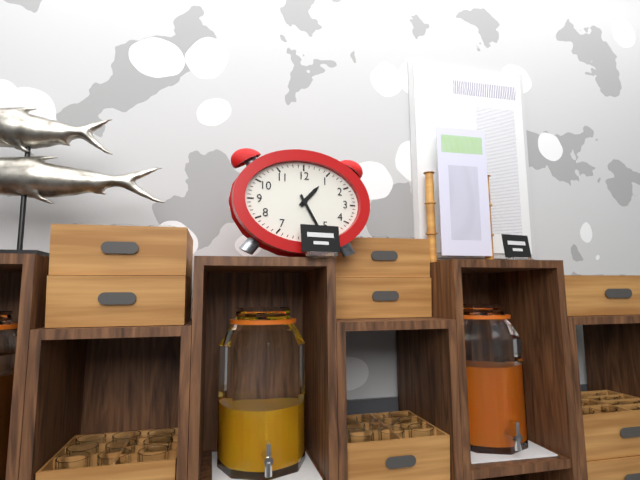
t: 1:25
